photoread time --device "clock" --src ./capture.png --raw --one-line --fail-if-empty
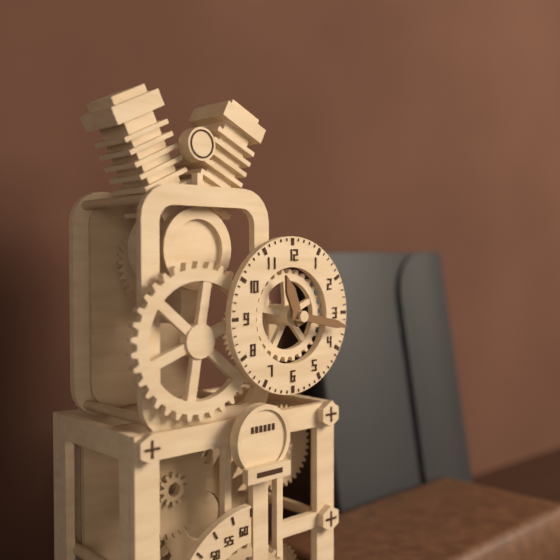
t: 11:17
